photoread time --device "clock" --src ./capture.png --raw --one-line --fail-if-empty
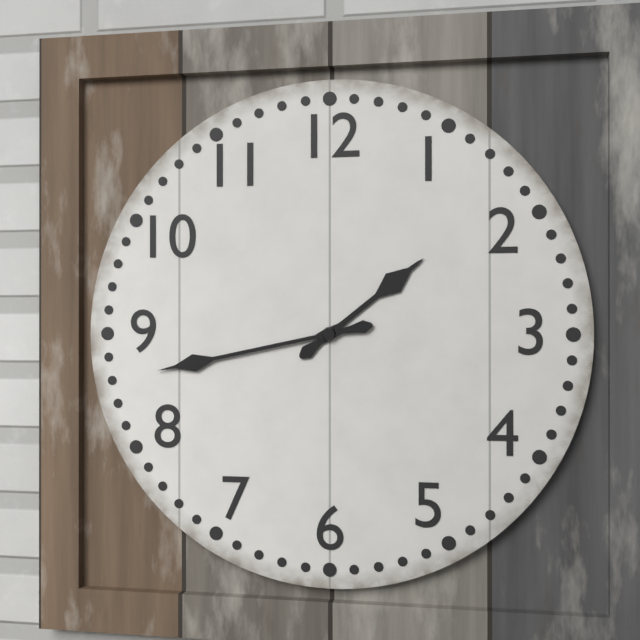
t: 1:43
